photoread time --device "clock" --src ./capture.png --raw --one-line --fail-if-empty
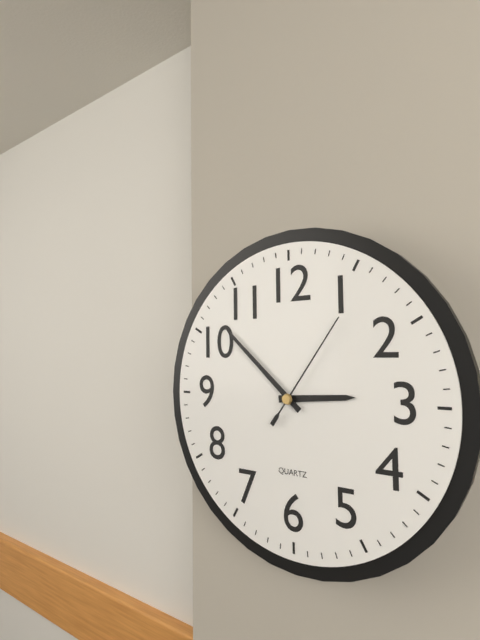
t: 2:52:06
